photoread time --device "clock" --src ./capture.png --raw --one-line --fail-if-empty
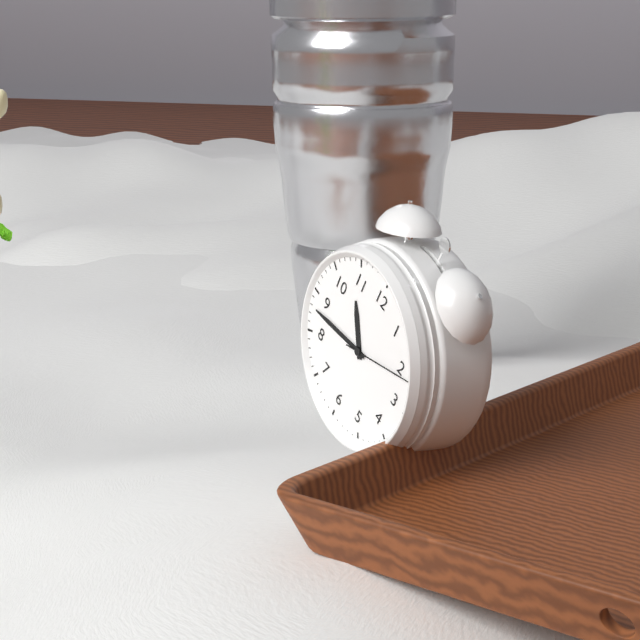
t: 10:43:11
